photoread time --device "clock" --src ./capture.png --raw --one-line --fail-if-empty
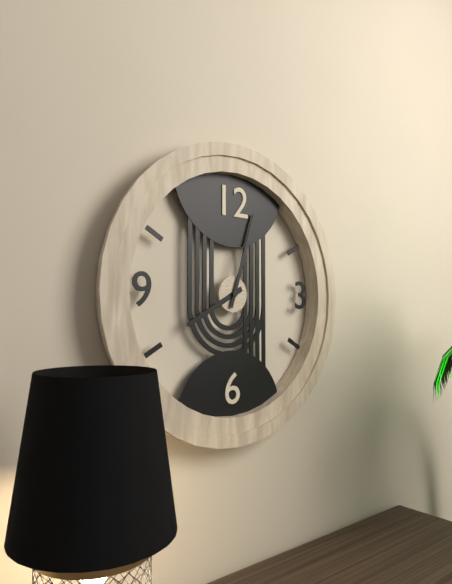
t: 8:03
